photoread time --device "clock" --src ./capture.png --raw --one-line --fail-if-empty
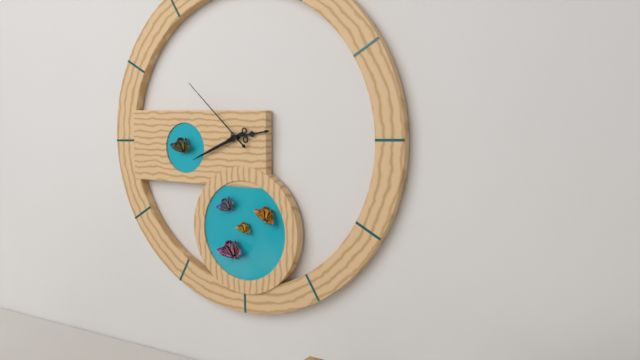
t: 2:41:52
